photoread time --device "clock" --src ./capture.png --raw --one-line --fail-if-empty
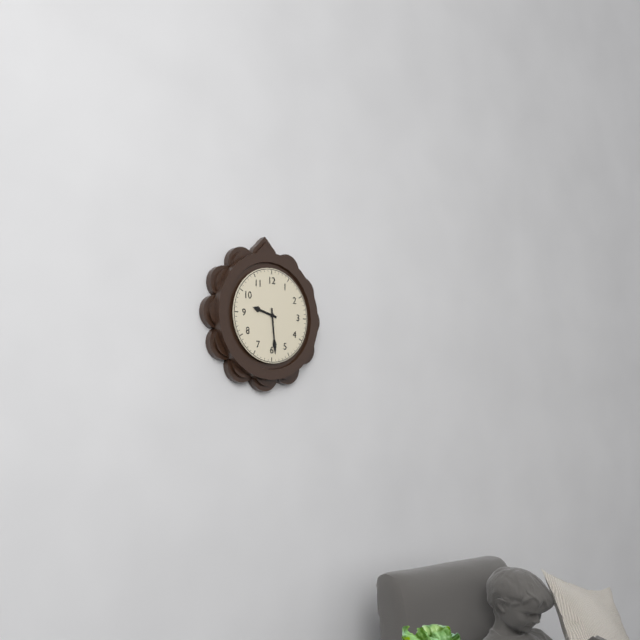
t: 9:29
